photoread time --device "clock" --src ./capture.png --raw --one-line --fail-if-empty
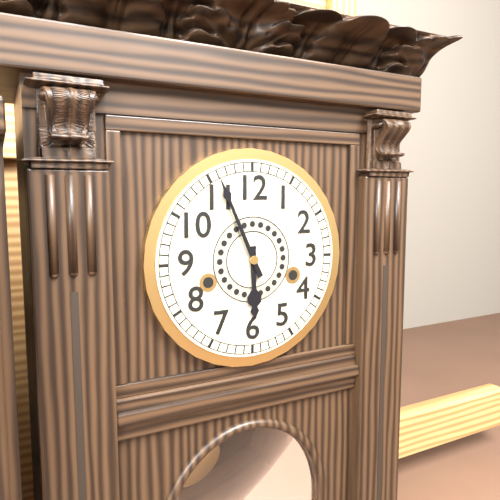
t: 5:56
